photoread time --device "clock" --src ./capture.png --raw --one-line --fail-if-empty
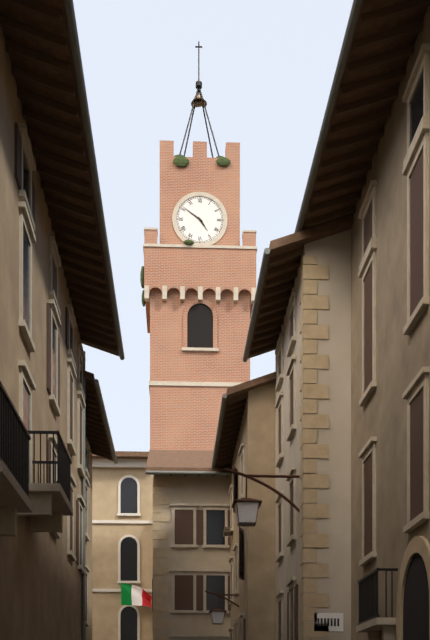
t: 4:51
